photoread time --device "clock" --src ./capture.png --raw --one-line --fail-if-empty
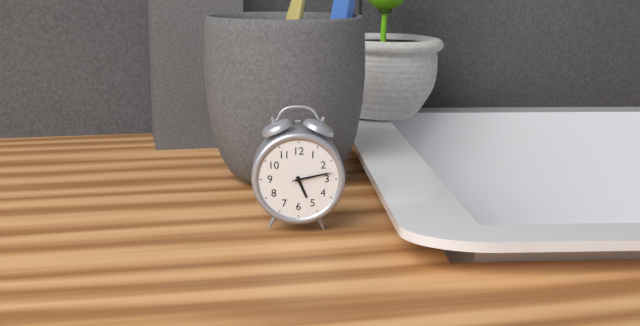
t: 5:13
